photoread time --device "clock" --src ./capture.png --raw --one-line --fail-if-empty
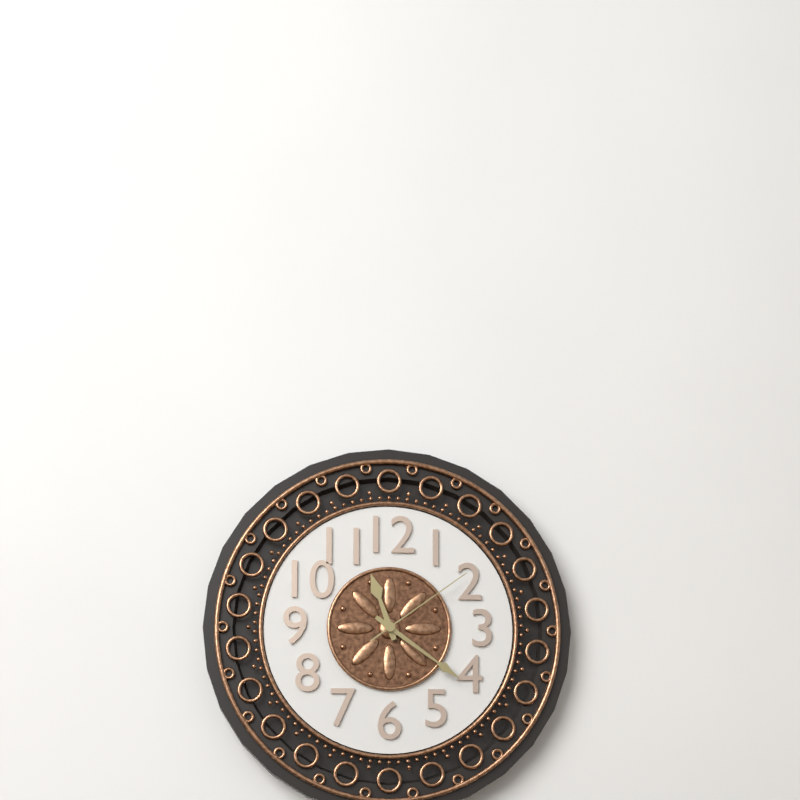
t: 11:21:09
